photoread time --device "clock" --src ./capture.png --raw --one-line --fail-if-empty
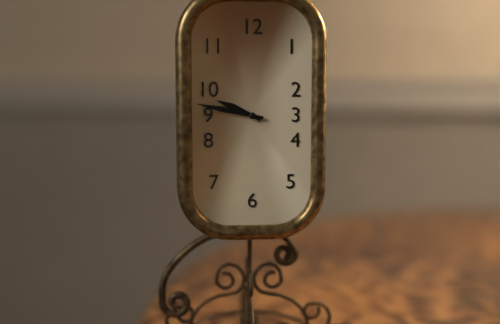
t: 9:47
